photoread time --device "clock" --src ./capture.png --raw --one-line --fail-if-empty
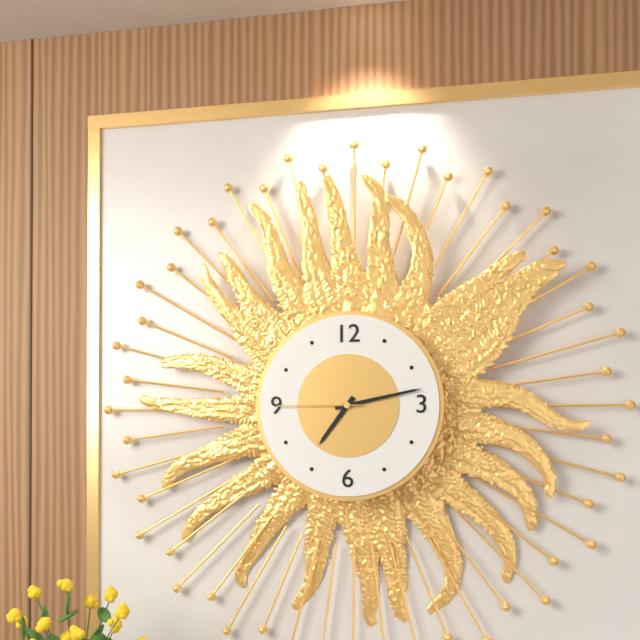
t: 7:13:45
